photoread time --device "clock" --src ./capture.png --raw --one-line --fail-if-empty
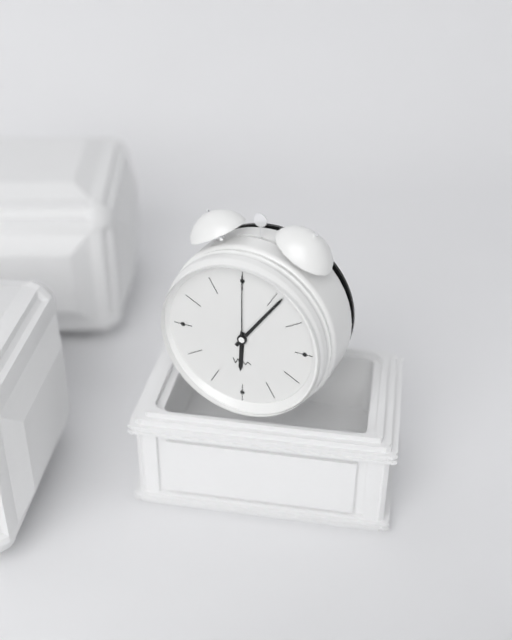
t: 6:06:00
